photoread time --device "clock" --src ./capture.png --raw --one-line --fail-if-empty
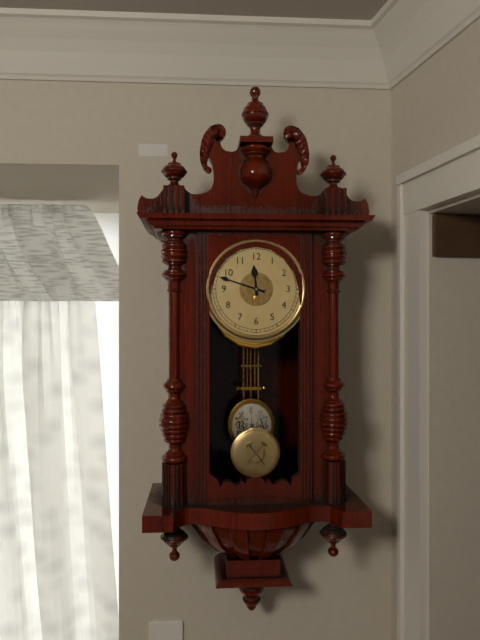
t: 11:48
